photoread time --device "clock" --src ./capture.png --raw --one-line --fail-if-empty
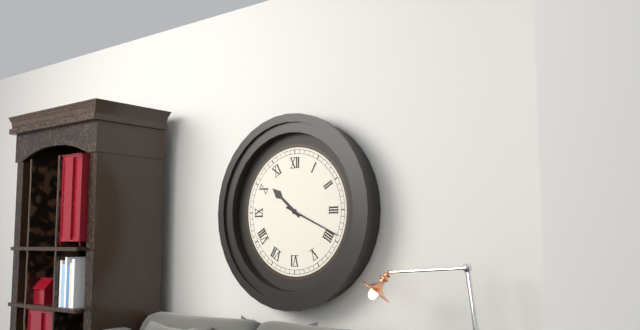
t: 10:19
